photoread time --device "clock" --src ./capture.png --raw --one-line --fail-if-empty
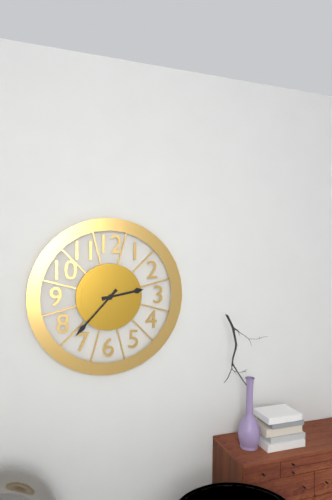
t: 2:37
